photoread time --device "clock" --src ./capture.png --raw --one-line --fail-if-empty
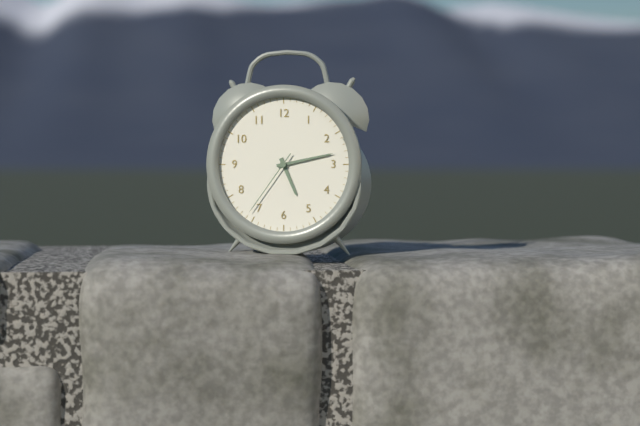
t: 5:13:36
